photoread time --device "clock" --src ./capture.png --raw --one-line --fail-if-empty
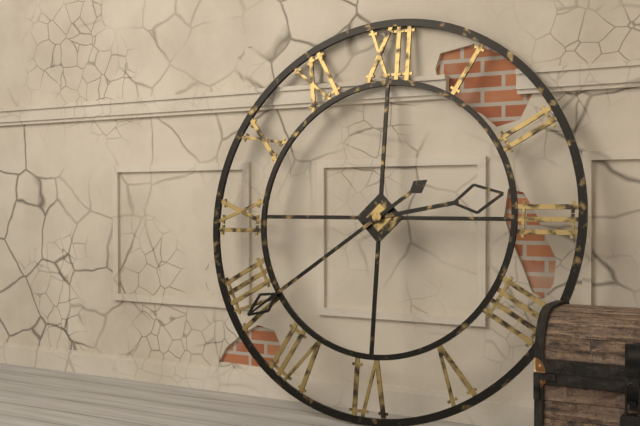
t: 2:39
